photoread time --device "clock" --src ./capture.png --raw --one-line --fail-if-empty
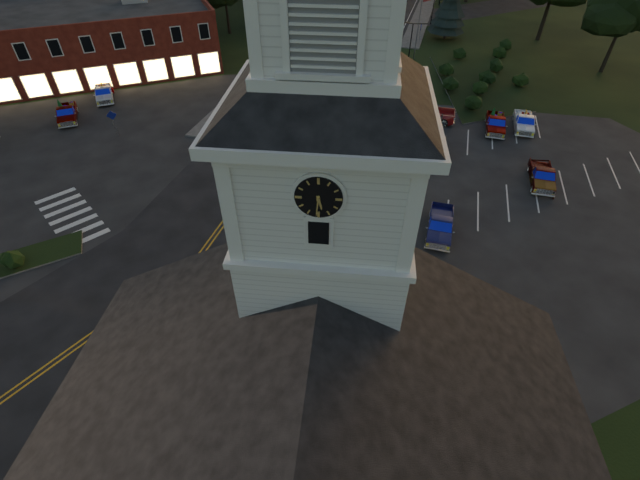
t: 5:31
